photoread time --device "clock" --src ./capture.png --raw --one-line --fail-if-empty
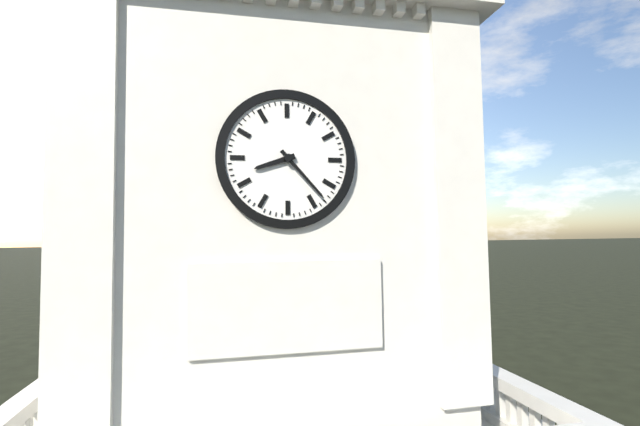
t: 8:23
